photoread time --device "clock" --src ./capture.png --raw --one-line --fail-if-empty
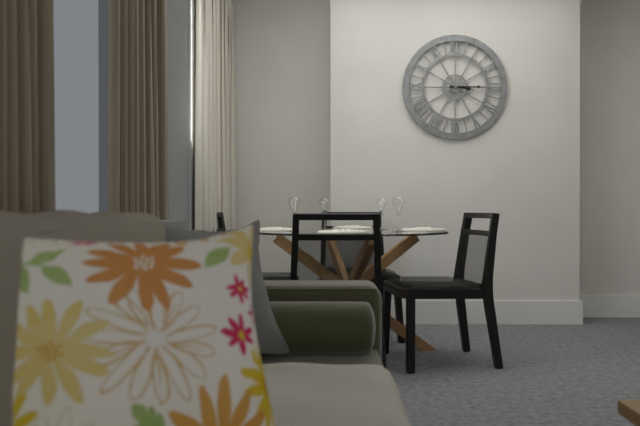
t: 3:15
